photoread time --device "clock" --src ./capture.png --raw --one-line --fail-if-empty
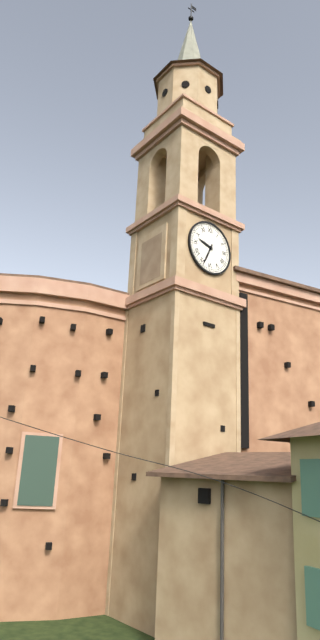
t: 9:34
